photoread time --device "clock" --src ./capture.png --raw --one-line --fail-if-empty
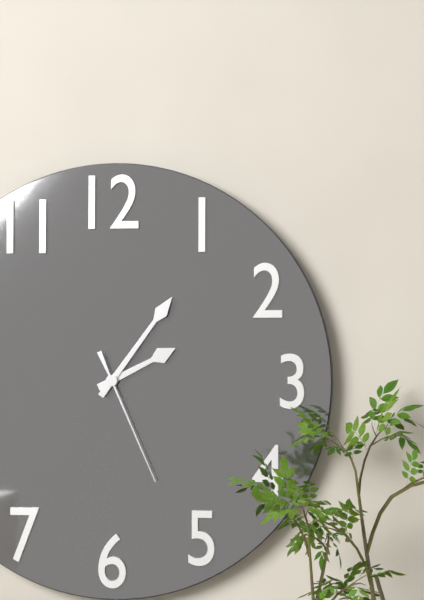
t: 2:06:26
